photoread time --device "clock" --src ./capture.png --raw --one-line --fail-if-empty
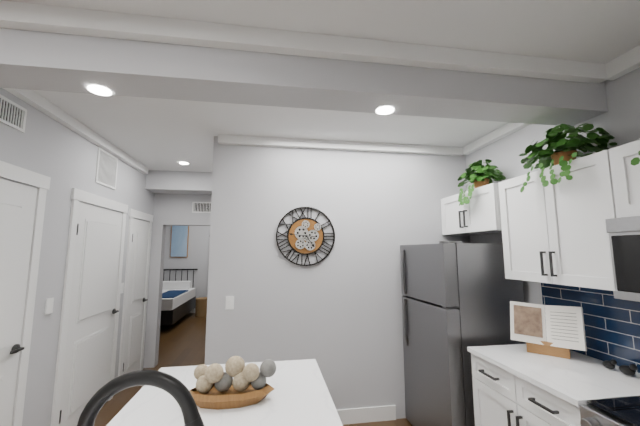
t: 4:46
